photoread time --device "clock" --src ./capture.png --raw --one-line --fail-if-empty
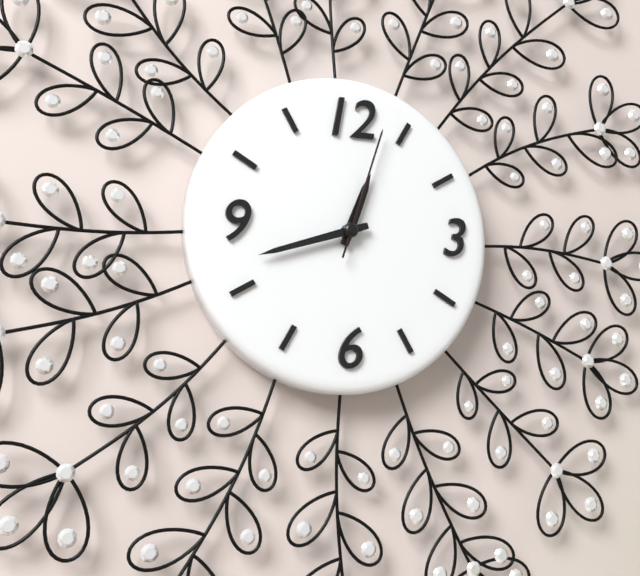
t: 12:42:03
